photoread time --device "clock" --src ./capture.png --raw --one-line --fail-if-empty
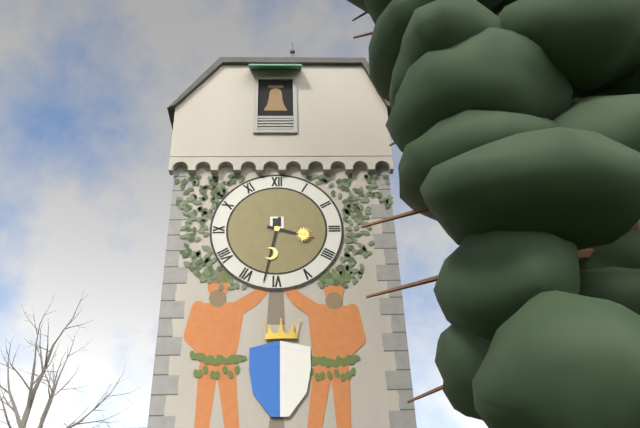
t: 3:32
